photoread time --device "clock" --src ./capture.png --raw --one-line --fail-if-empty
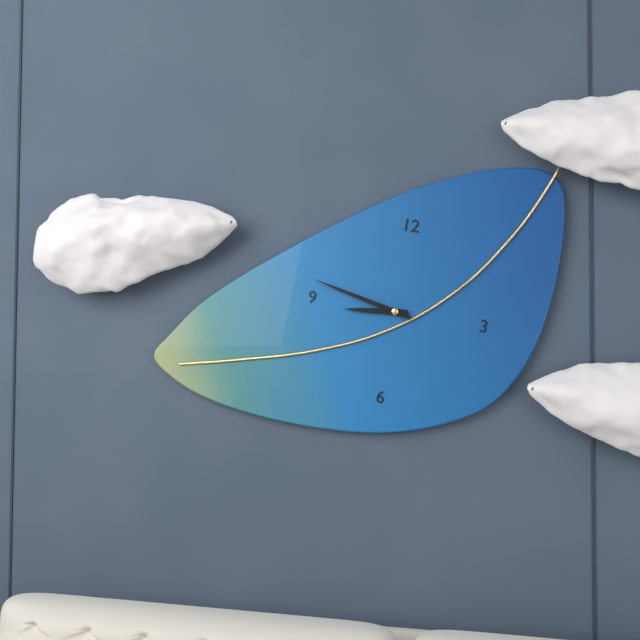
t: 8:47
